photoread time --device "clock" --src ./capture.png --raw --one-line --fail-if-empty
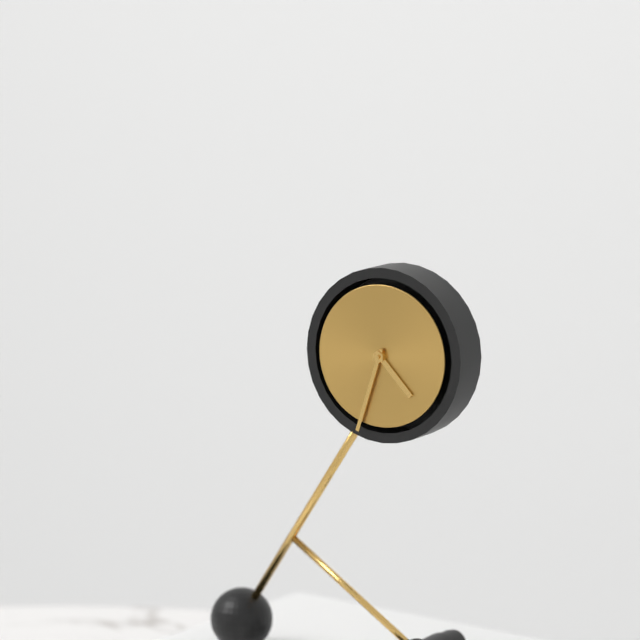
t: 4:33
